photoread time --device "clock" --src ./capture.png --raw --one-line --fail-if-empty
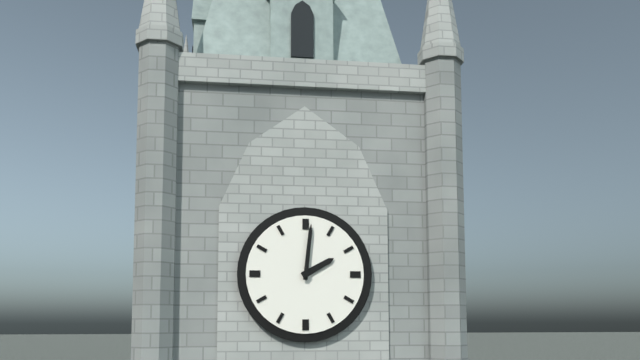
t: 2:01
